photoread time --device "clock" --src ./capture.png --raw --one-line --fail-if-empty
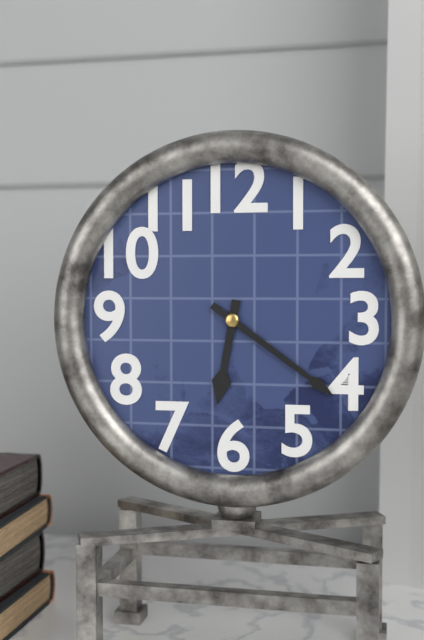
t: 6:21
